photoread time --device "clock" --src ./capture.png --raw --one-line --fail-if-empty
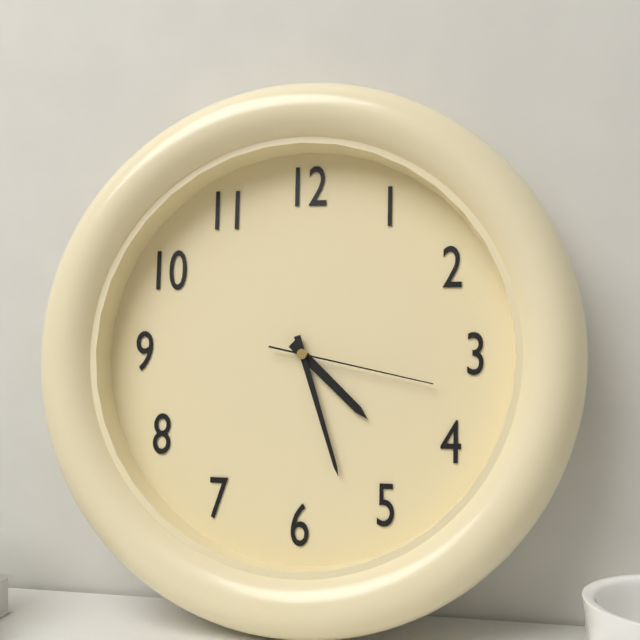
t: 4:27:17
